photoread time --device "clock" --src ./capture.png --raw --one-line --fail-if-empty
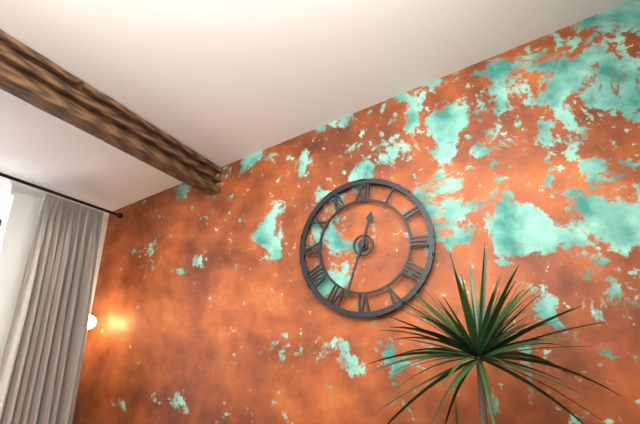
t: 12:33
